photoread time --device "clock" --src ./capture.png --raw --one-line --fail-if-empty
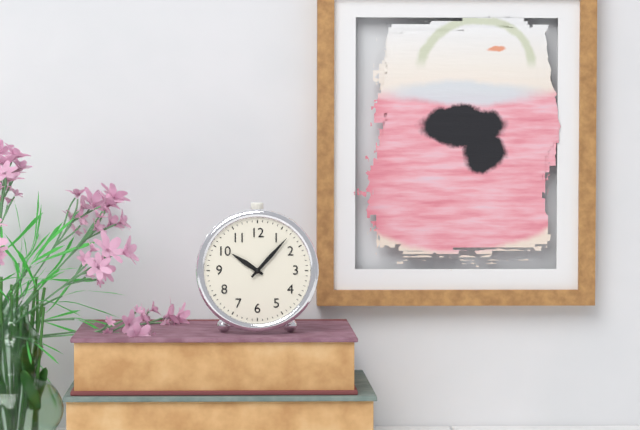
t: 10:07
